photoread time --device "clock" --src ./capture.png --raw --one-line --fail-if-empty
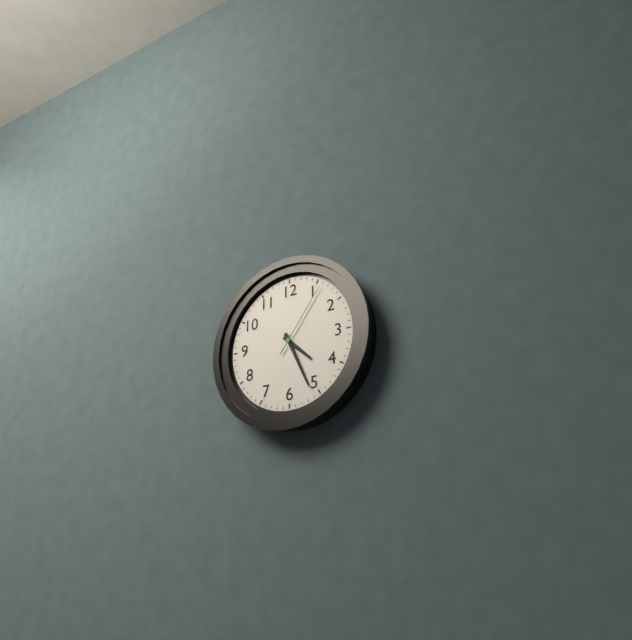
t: 4:26:06
